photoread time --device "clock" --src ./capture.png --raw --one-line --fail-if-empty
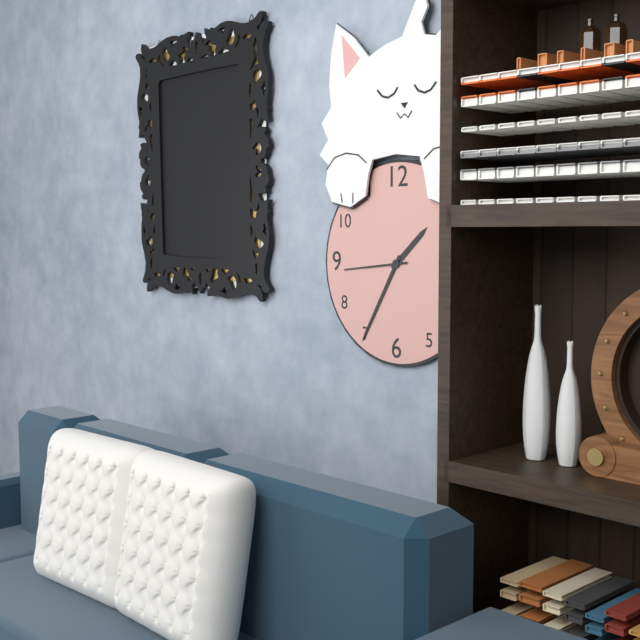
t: 1:35:44
